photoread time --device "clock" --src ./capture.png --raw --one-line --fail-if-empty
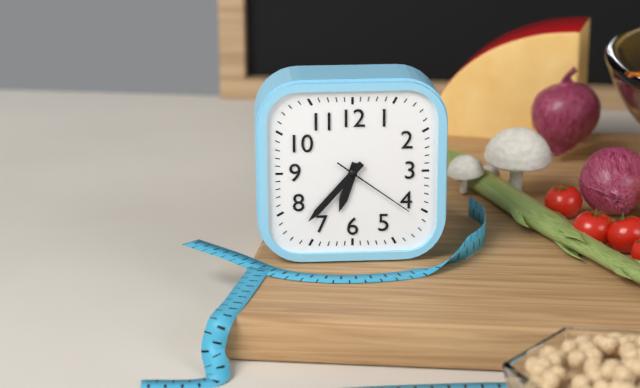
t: 6:37:21
